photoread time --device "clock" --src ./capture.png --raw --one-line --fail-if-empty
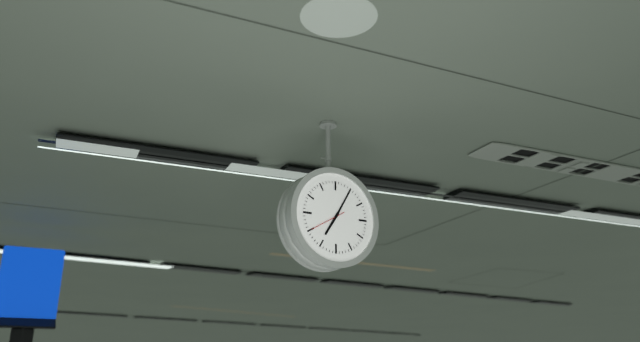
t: 7:05
